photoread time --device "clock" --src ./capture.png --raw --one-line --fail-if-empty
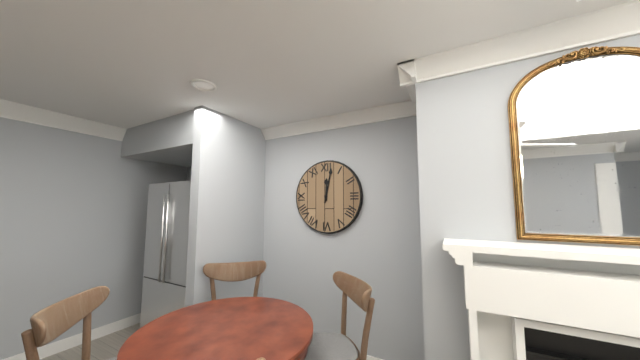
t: 12:02
